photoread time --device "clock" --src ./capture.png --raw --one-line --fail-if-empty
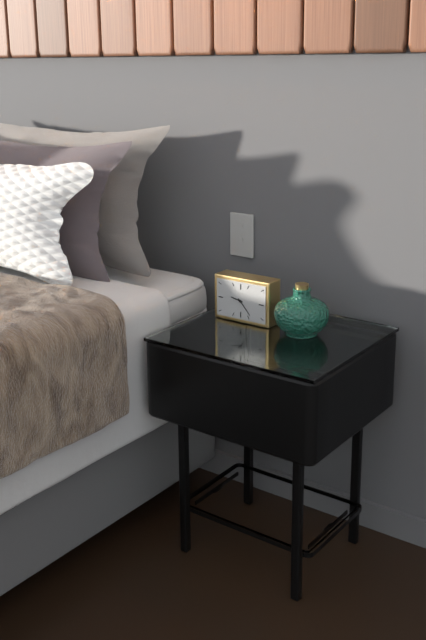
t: 9:23
